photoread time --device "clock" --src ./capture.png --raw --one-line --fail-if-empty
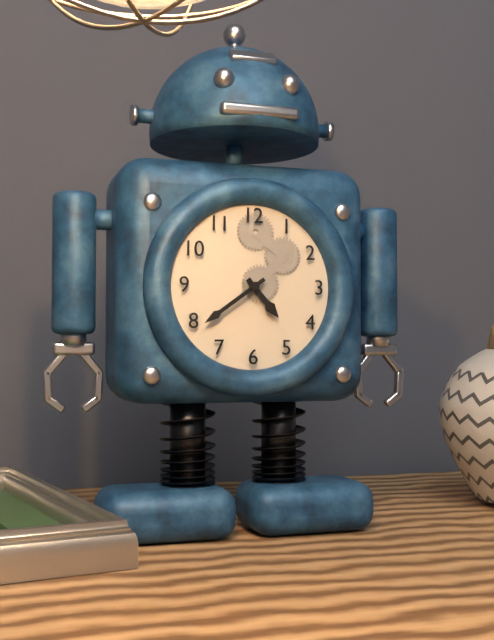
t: 4:39
